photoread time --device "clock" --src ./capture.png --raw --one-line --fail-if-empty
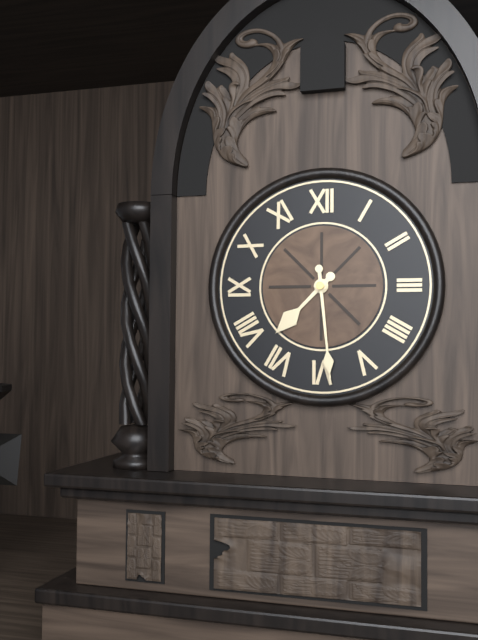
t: 7:29
